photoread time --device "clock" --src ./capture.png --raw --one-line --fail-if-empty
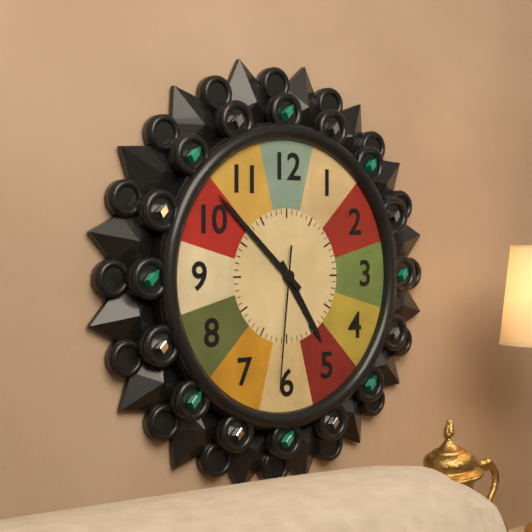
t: 4:52:31
